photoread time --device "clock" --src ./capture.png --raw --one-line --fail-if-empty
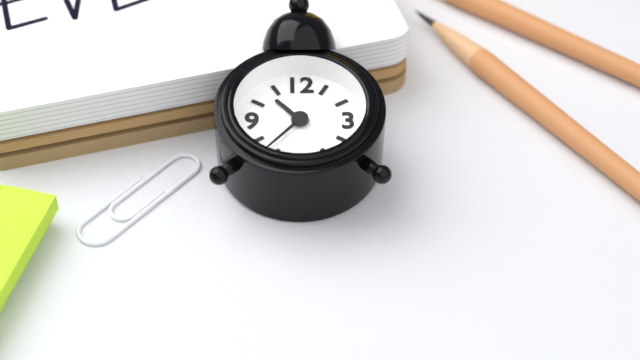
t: 10:37
